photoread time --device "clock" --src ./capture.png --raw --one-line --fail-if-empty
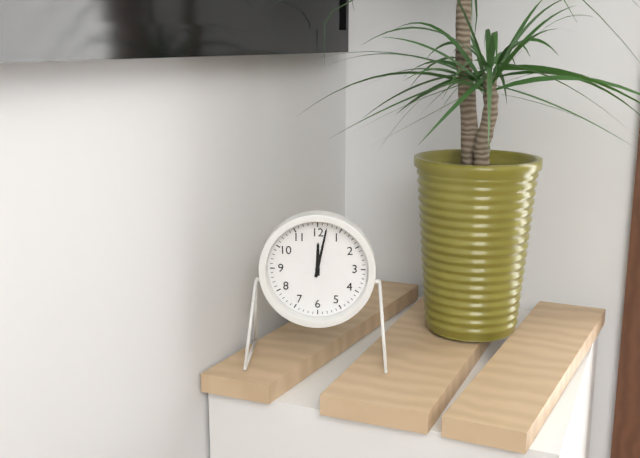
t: 12:02
